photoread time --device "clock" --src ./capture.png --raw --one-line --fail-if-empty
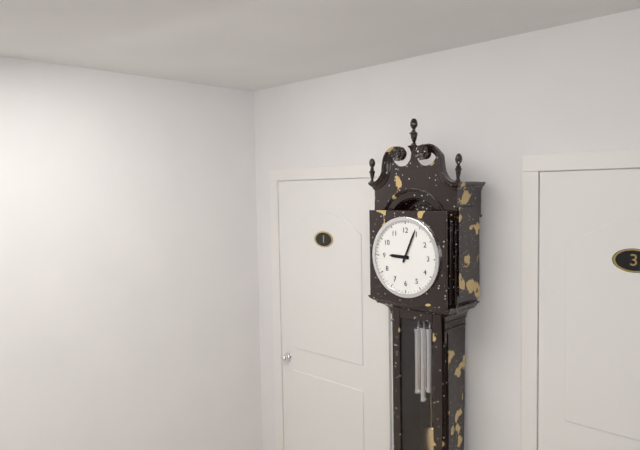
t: 9:04
